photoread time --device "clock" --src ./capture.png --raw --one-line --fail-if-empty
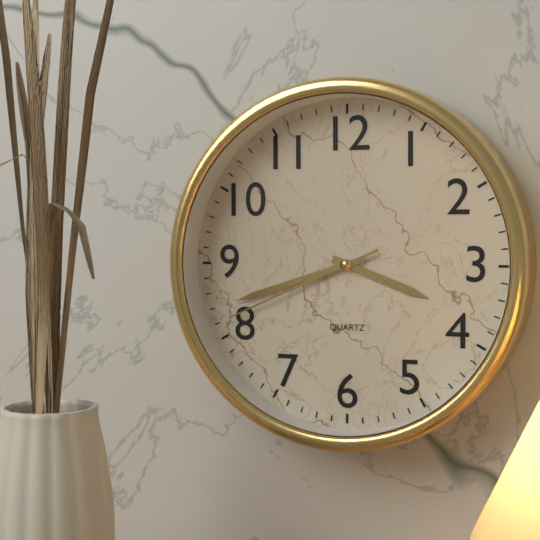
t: 3:42:41
